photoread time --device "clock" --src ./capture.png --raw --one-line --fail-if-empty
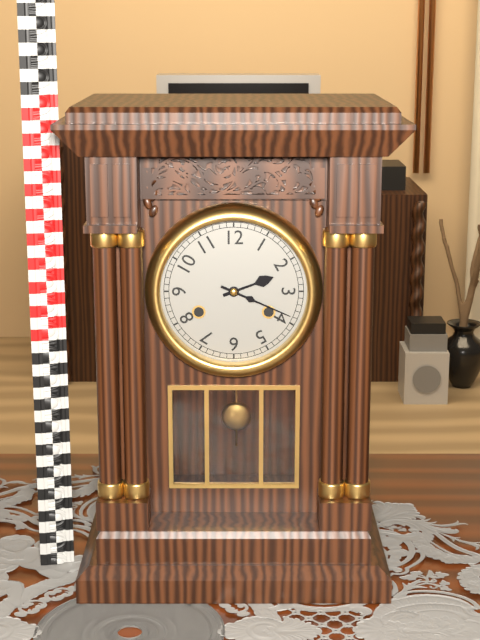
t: 2:19
